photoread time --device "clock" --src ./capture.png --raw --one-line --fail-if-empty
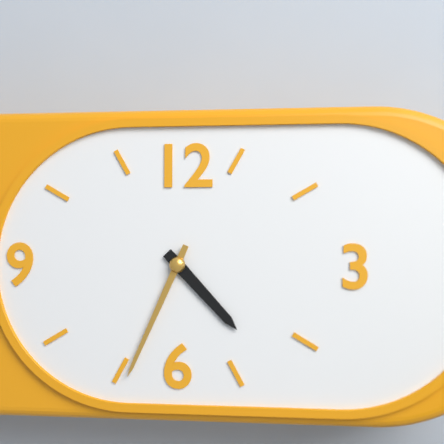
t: 4:34
